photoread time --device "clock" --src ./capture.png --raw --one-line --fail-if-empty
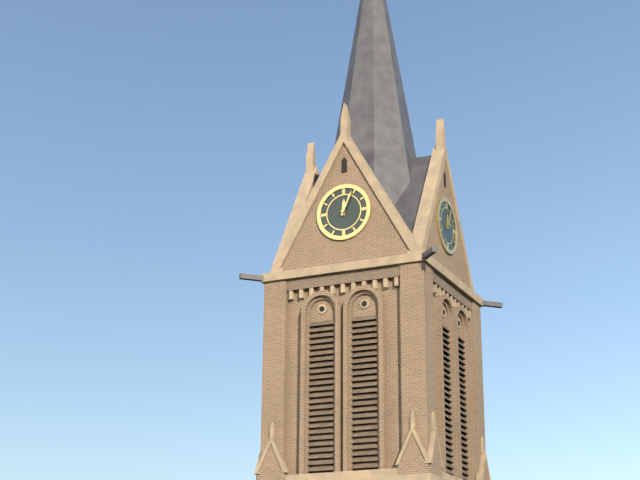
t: 12:04
